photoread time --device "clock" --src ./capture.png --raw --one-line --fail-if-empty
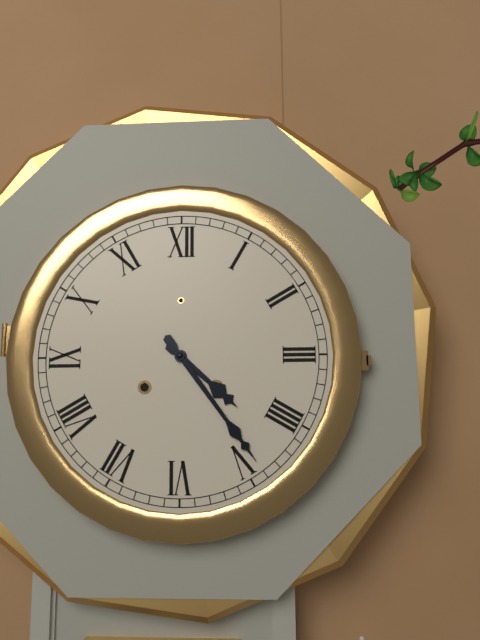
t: 4:24
